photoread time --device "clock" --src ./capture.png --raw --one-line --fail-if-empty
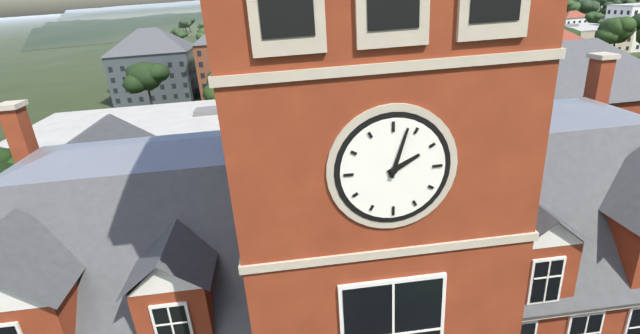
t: 2:03
